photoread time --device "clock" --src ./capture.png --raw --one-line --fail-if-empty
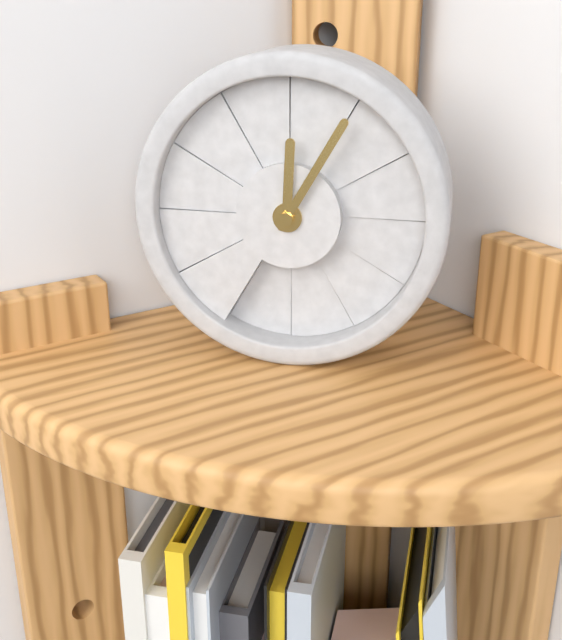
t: 12:05
